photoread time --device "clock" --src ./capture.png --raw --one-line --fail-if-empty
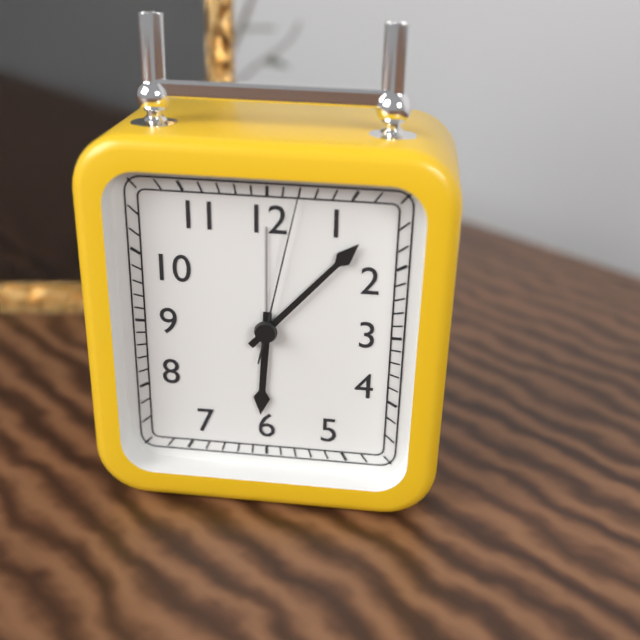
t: 6:07:02
